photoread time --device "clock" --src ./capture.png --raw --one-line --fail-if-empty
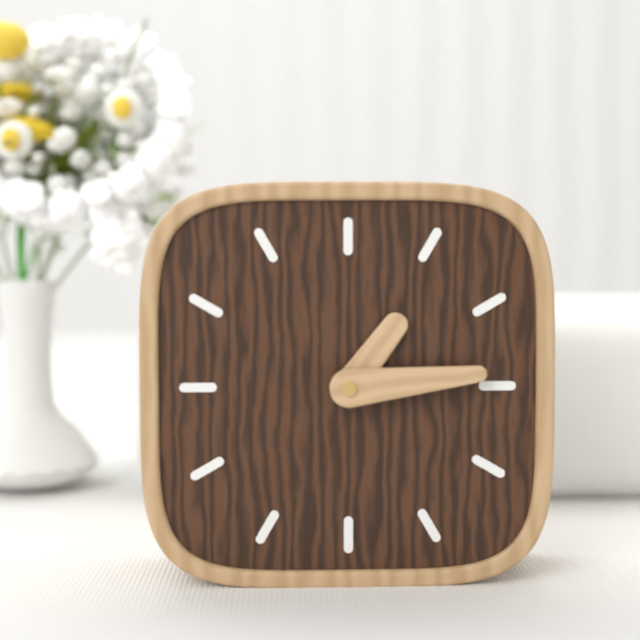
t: 1:14
